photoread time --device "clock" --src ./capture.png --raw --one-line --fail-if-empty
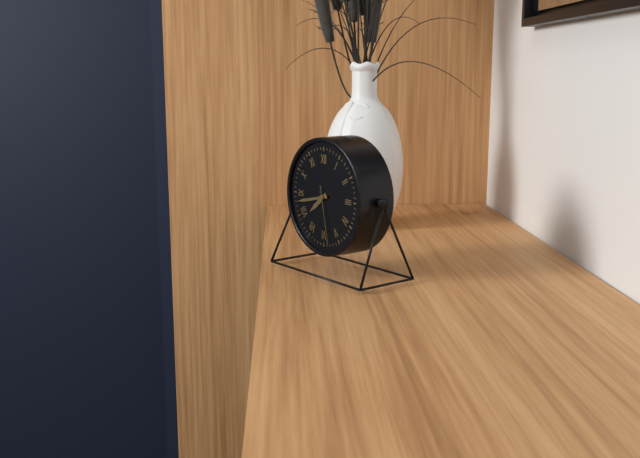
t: 7:43:28
